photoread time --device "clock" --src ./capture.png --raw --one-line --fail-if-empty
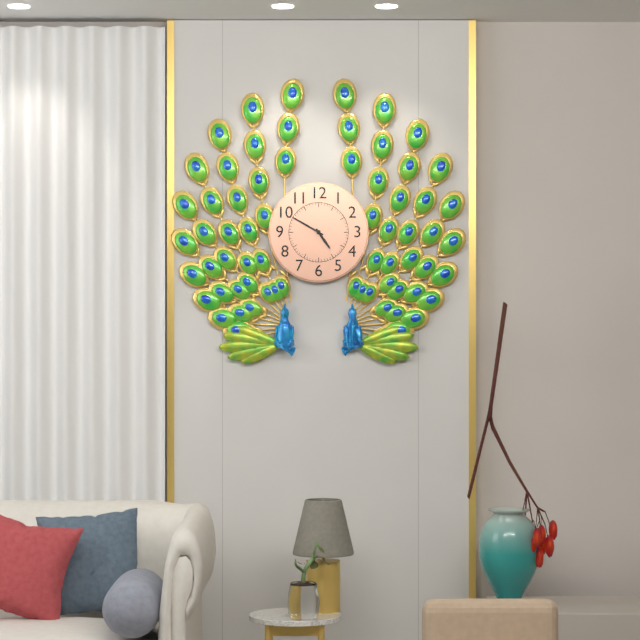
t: 4:50
